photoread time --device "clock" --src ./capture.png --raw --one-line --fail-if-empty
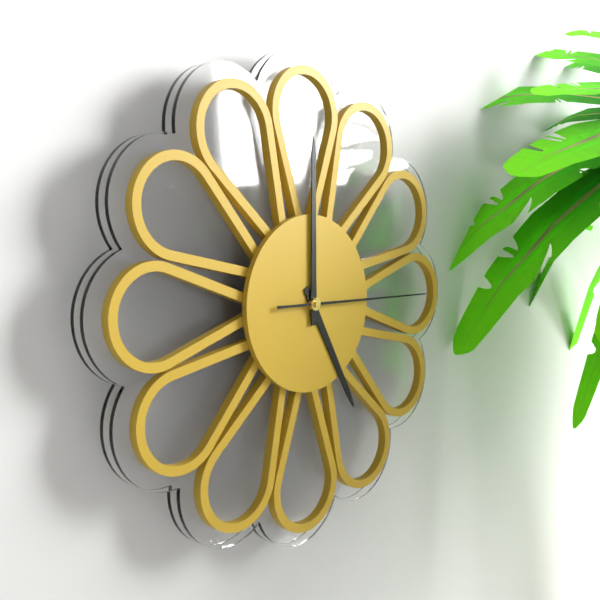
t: 5:00:15
